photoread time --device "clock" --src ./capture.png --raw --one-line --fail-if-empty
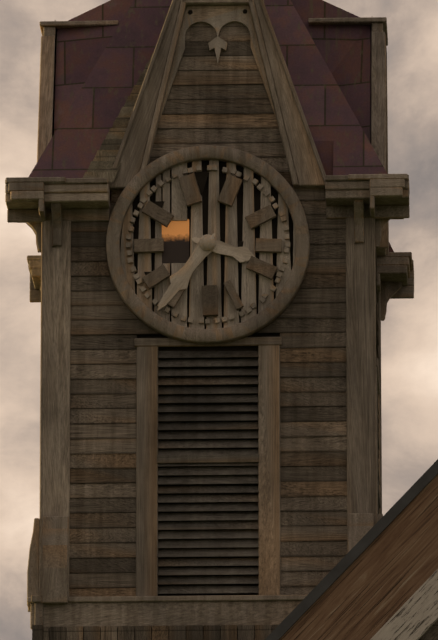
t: 3:36
